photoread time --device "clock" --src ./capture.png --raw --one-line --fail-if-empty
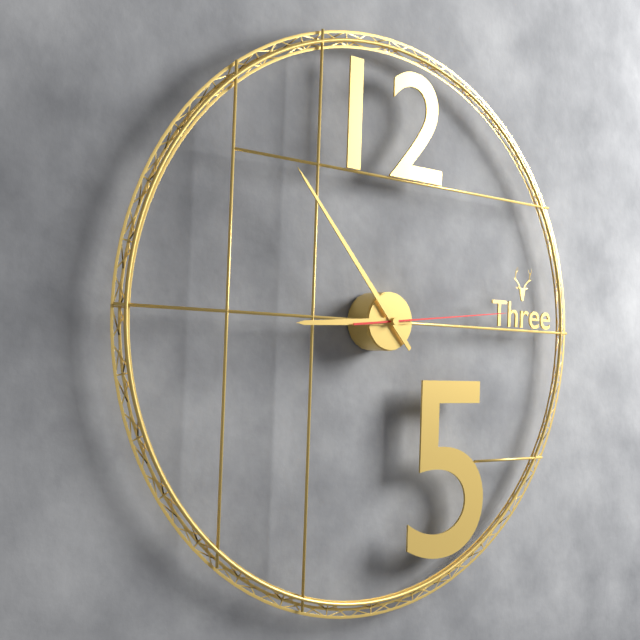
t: 8:53:14
